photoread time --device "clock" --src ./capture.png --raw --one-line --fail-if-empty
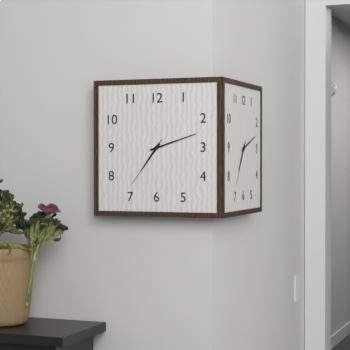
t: 7:12:36
